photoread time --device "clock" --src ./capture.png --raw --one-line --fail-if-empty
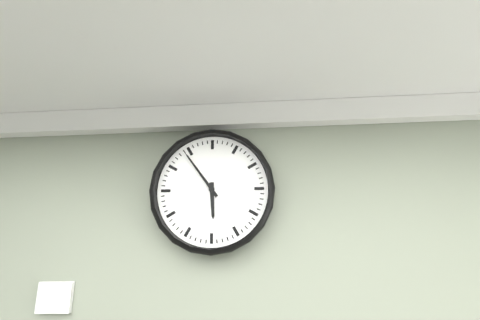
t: 5:54
